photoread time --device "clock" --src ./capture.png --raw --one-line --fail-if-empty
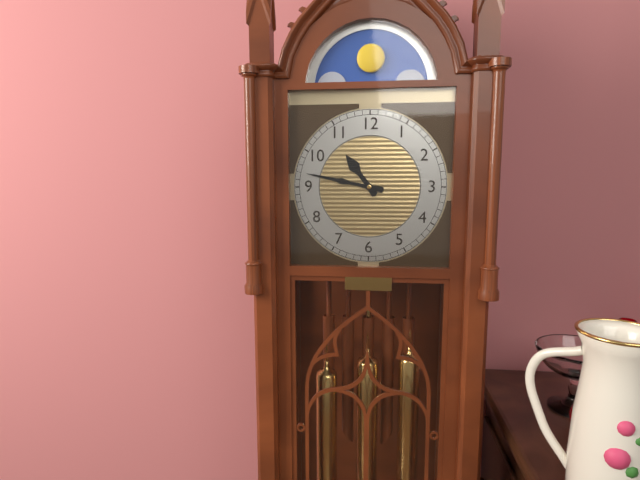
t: 10:47
